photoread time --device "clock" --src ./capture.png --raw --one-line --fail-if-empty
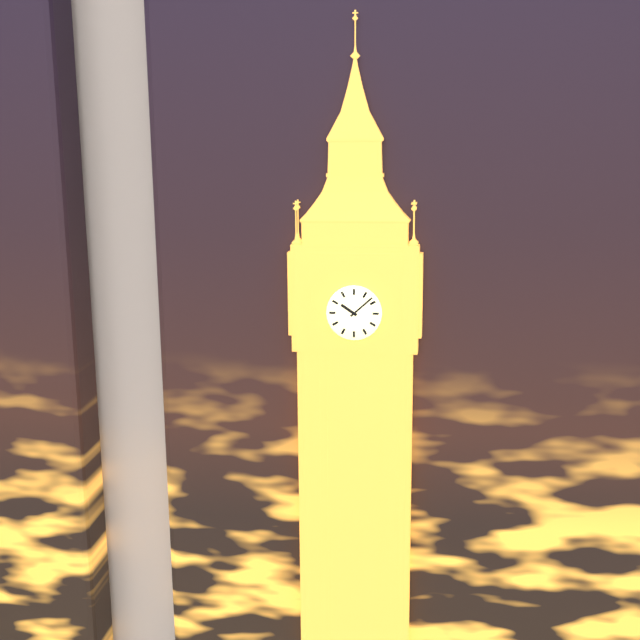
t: 10:08
